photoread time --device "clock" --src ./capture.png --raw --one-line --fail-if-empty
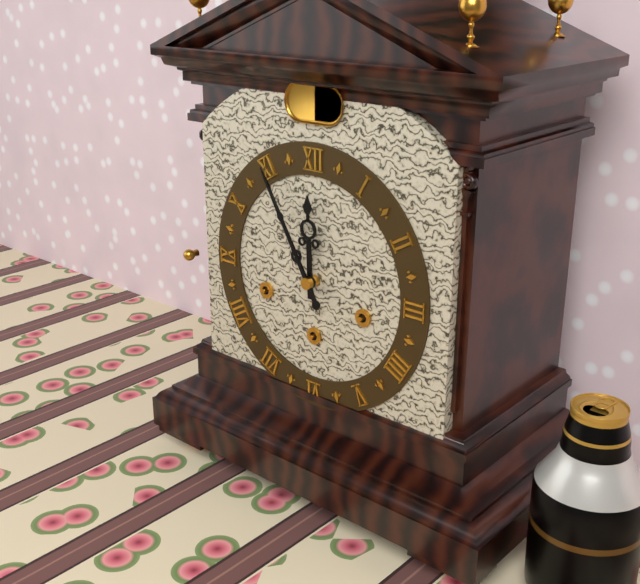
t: 11:55
